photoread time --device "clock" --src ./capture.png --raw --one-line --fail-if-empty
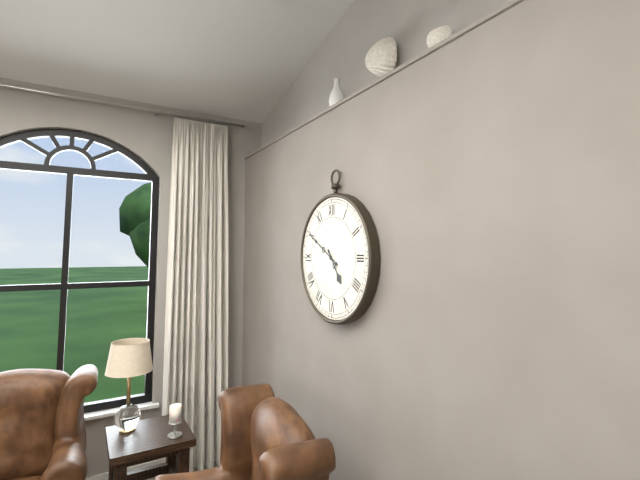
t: 4:50
